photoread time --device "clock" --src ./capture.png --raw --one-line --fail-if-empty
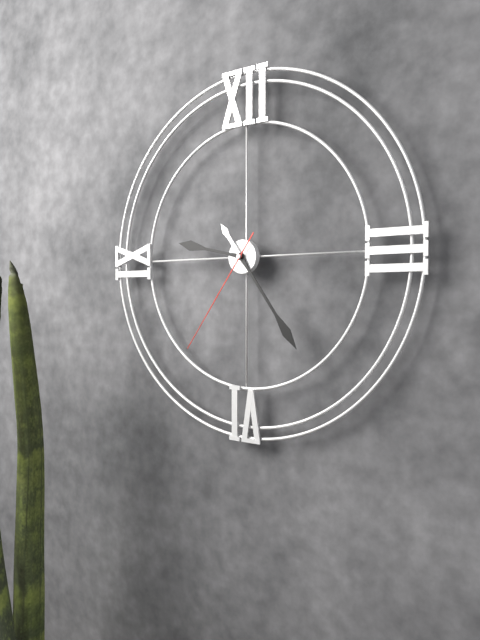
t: 9:24:36
